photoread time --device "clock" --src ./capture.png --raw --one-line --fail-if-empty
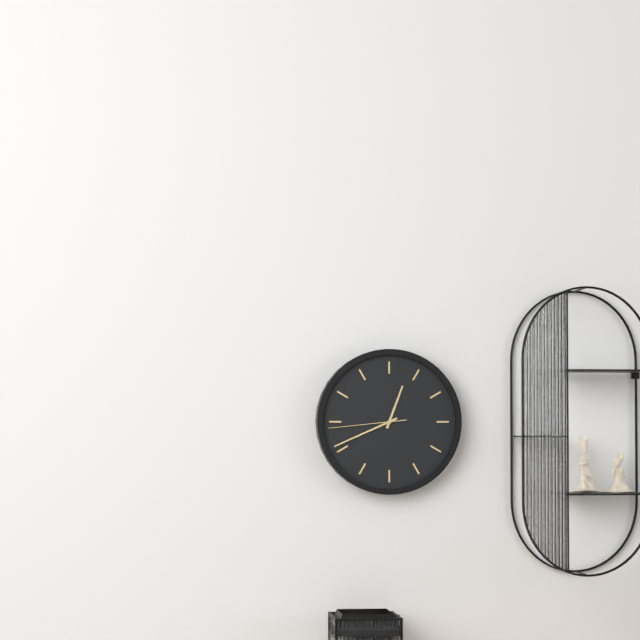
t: 12:41:44
